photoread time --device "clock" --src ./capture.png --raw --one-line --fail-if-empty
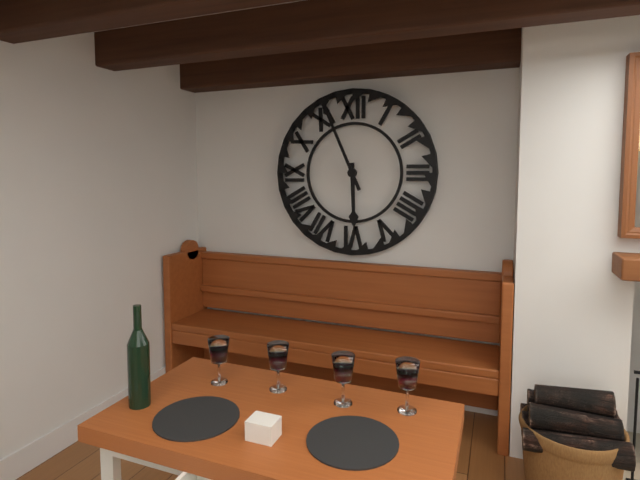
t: 5:56
